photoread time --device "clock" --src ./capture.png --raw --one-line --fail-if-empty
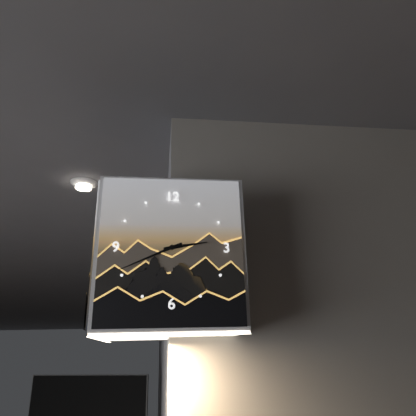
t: 2:41
